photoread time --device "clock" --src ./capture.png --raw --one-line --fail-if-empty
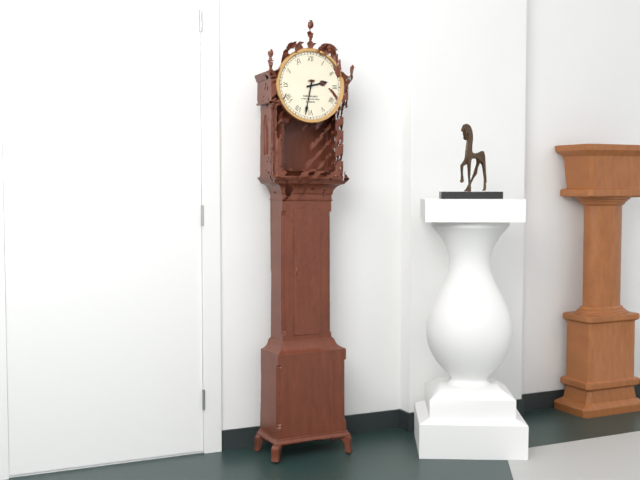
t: 2:32
